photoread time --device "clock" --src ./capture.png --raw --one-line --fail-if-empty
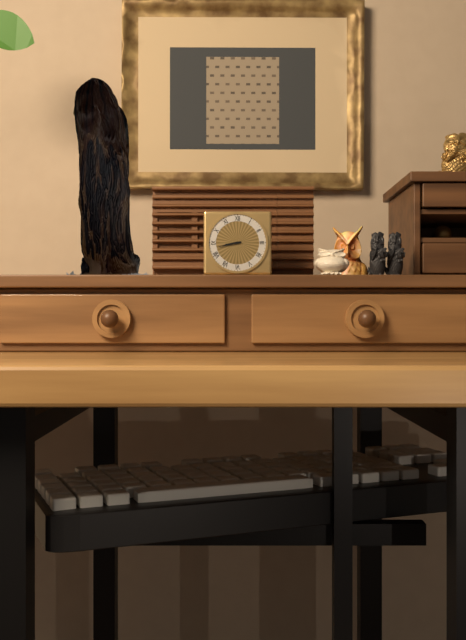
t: 8:43
